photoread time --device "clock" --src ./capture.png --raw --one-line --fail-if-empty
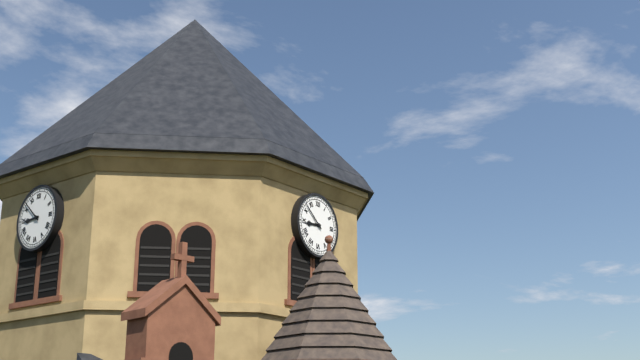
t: 8:52
